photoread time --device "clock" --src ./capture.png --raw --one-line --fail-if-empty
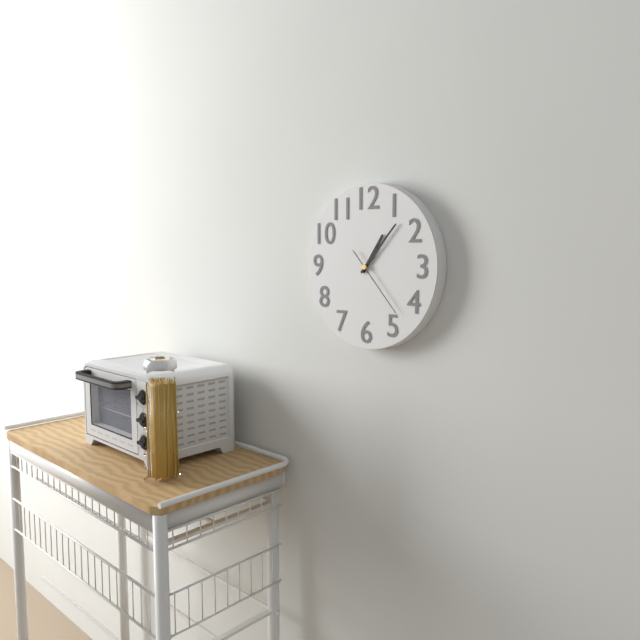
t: 1:07:23
